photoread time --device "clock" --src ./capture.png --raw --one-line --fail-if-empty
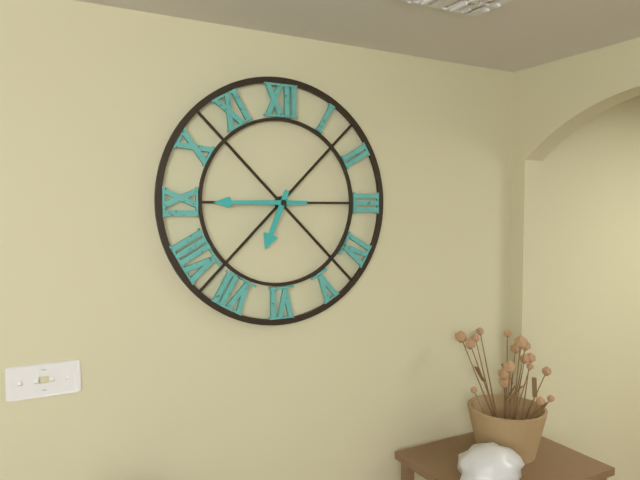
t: 6:45
